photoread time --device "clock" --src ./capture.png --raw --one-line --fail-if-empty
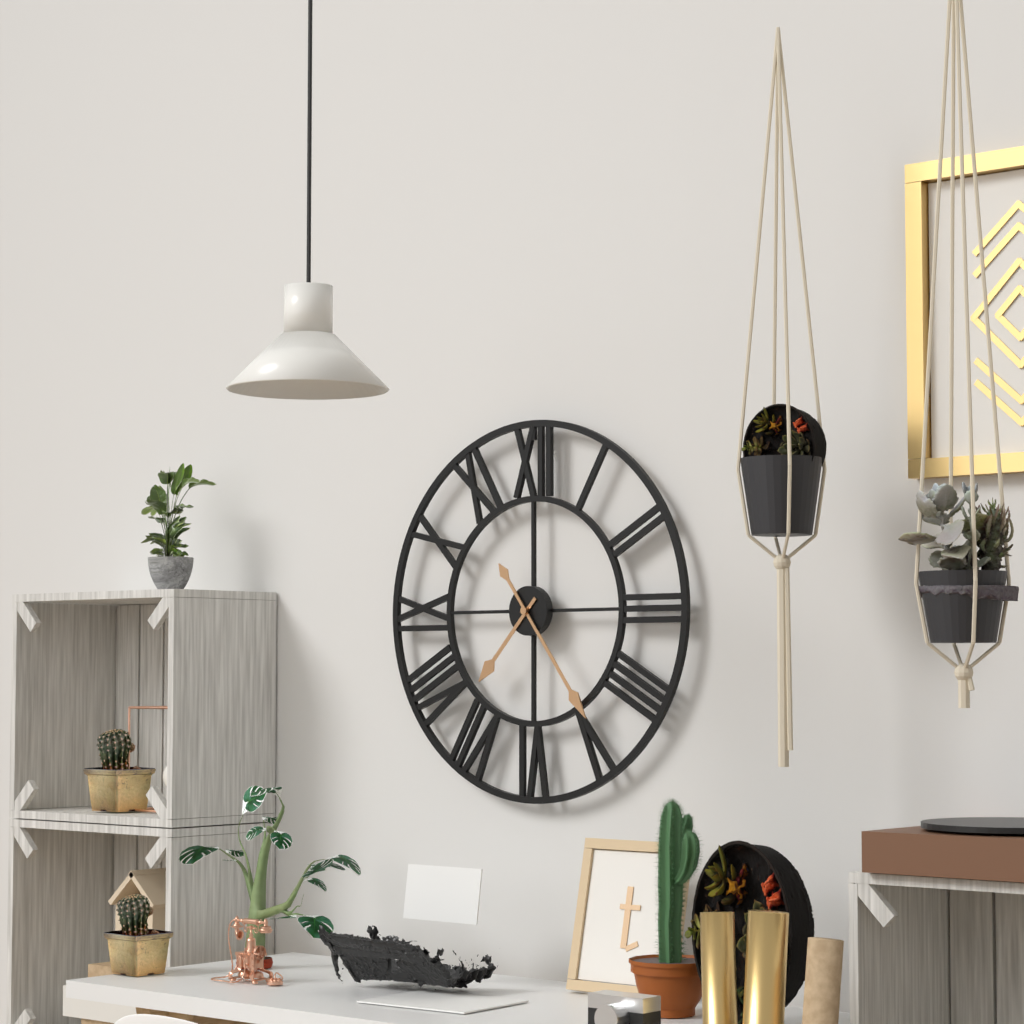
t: 7:24
